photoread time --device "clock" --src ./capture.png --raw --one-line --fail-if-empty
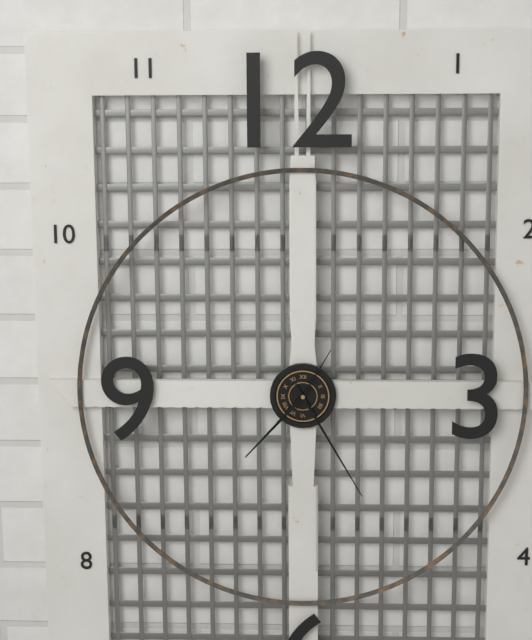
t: 7:25:05
